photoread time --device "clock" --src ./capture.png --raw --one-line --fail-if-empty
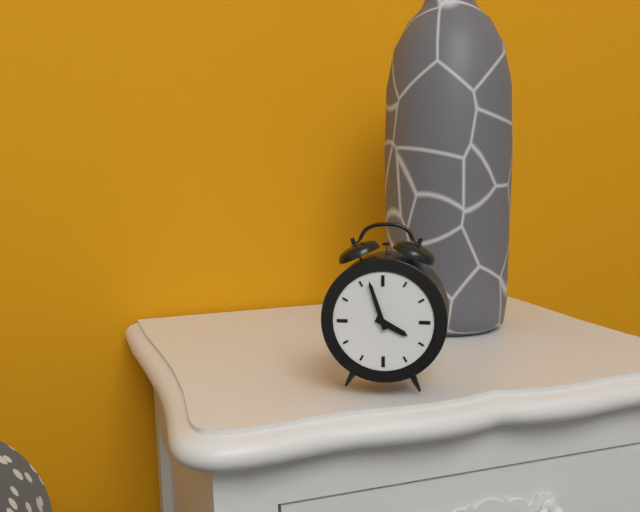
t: 3:57
